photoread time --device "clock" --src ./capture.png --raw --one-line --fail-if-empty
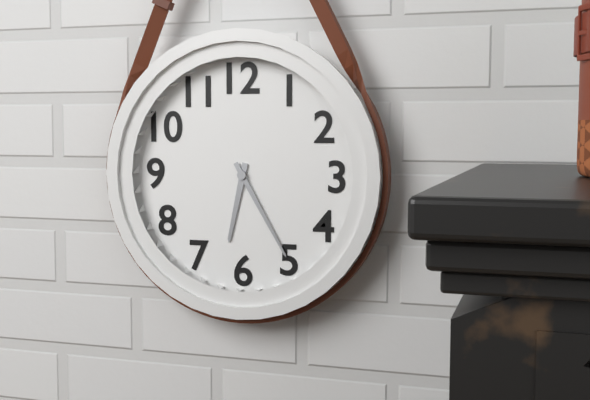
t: 6:25
